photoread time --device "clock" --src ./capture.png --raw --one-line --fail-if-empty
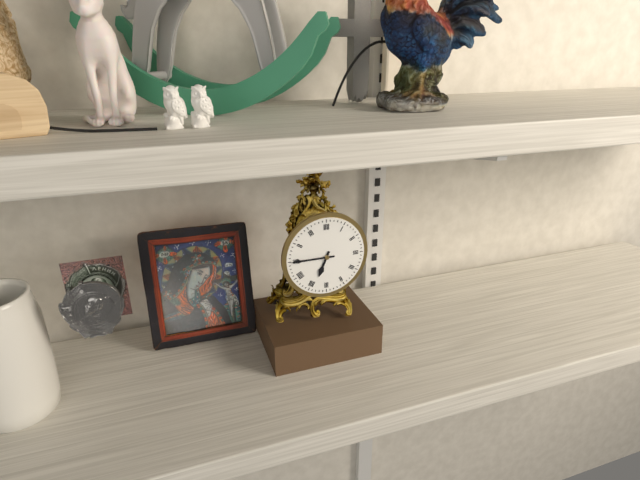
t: 6:45
